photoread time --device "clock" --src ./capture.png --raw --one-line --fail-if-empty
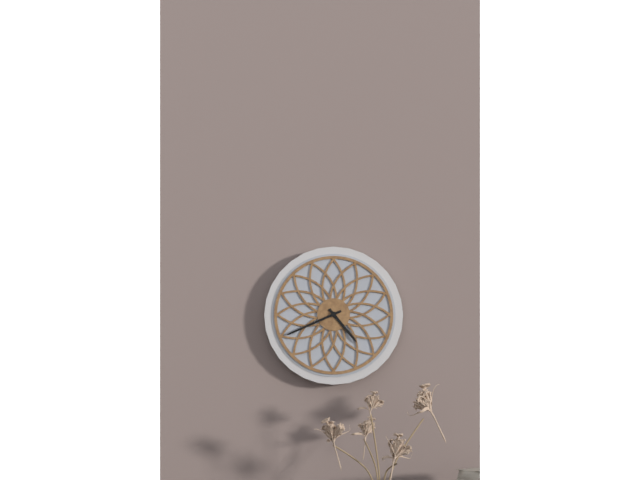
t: 4:41
